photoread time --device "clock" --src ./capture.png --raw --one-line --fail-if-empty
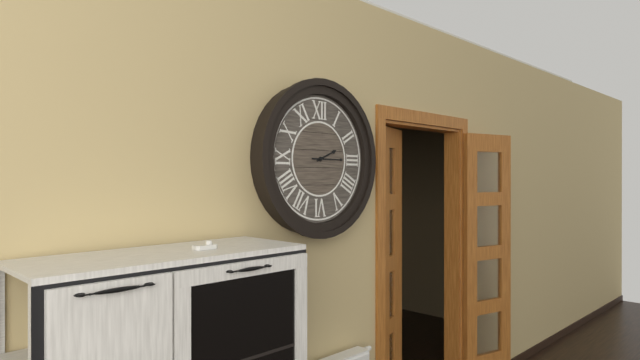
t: 2:15
